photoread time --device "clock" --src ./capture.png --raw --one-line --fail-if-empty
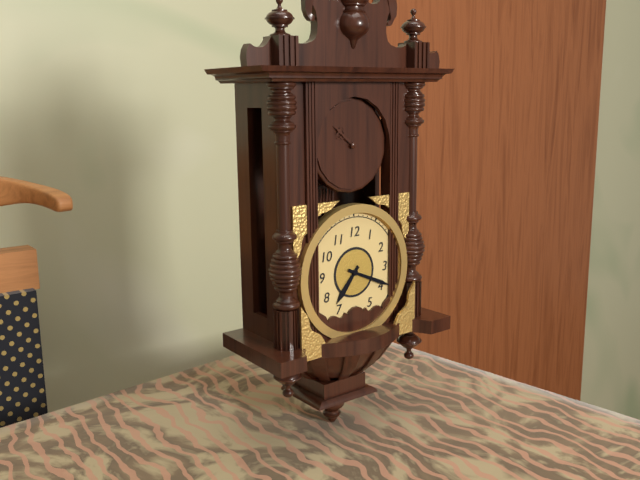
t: 7:19
